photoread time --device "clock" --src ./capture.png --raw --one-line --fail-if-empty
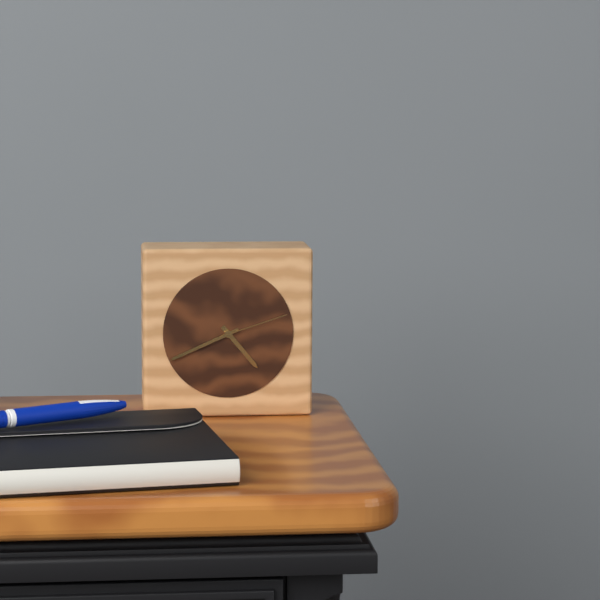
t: 4:41:12
